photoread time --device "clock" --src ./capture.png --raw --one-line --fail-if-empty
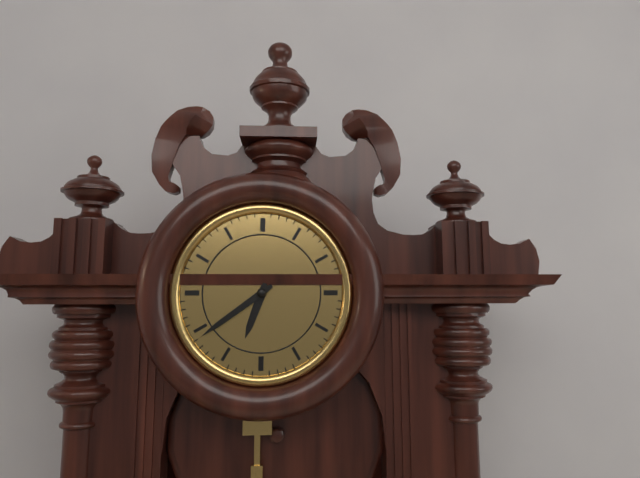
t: 6:39
